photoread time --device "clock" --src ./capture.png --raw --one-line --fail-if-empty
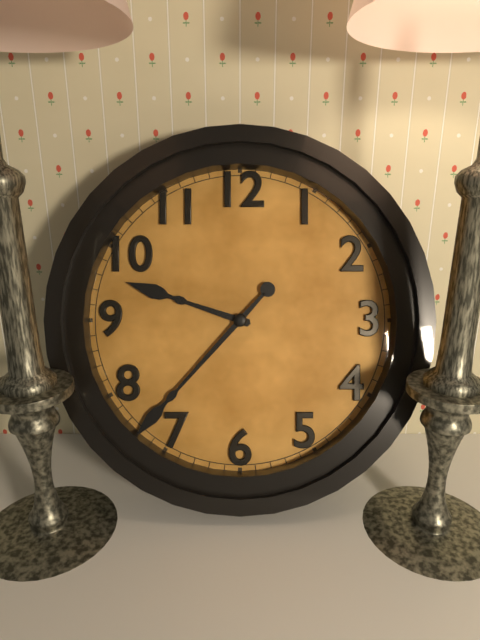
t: 9:37
